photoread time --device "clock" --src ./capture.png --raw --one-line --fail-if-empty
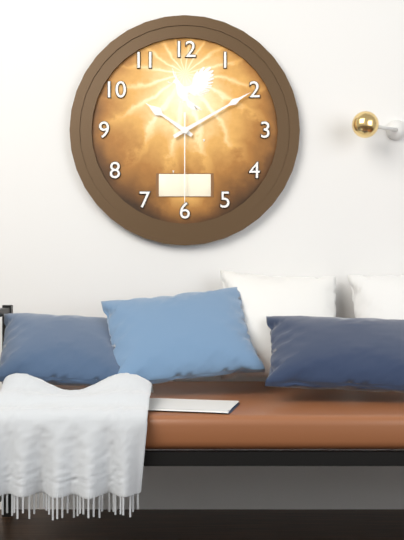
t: 10:10:30
